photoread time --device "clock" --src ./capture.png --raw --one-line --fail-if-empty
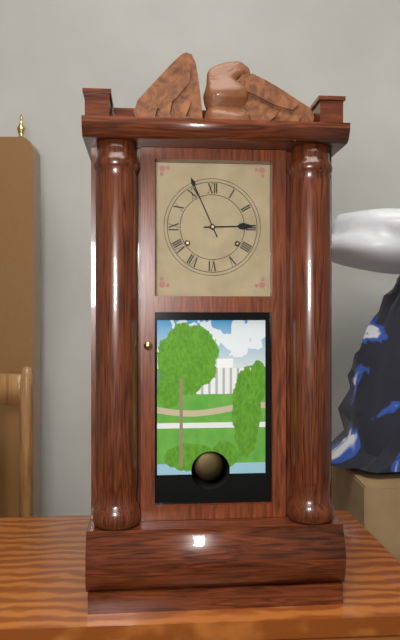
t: 2:56
